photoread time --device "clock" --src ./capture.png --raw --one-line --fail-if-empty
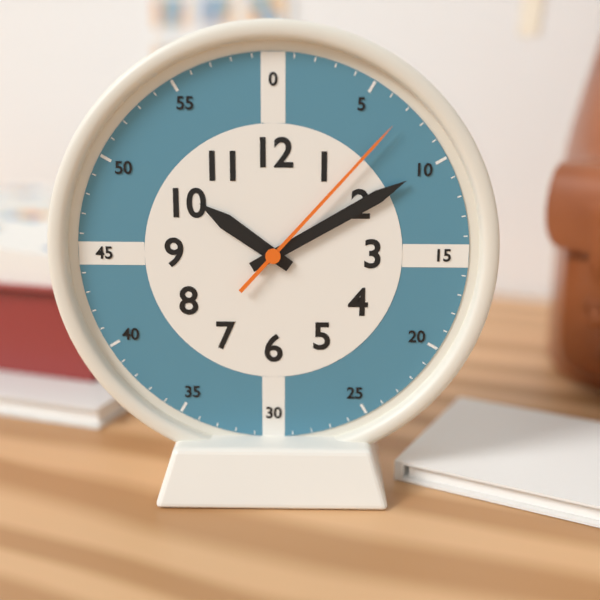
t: 10:10:07
